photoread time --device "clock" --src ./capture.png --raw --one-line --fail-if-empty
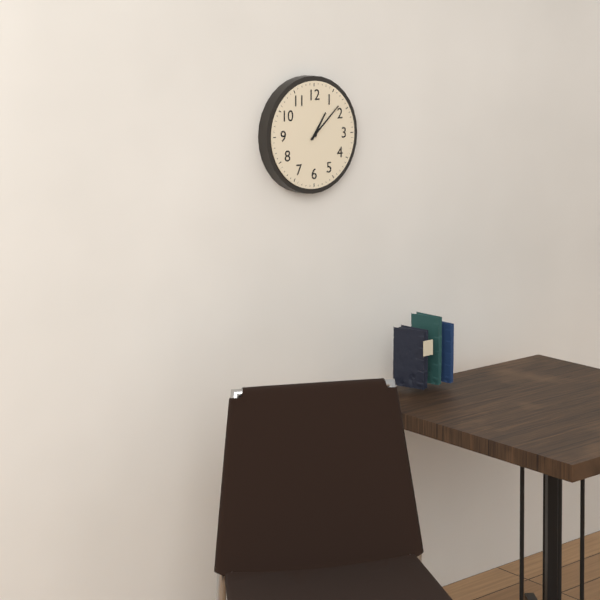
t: 1:08
